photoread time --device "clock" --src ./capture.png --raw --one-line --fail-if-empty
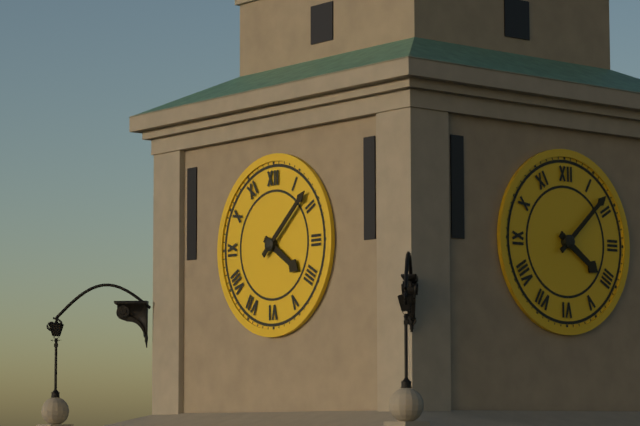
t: 4:08
